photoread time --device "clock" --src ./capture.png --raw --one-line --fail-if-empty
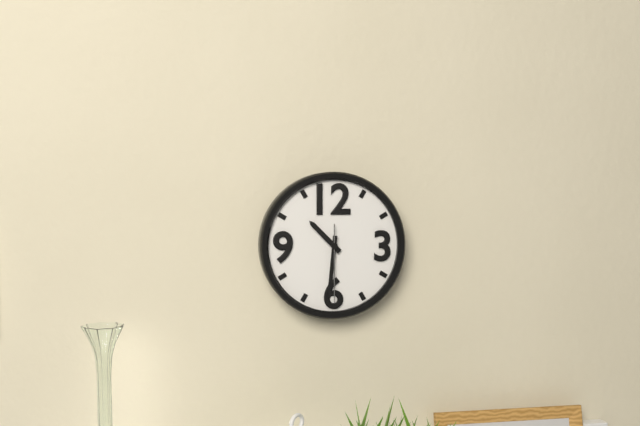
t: 10:31:30
